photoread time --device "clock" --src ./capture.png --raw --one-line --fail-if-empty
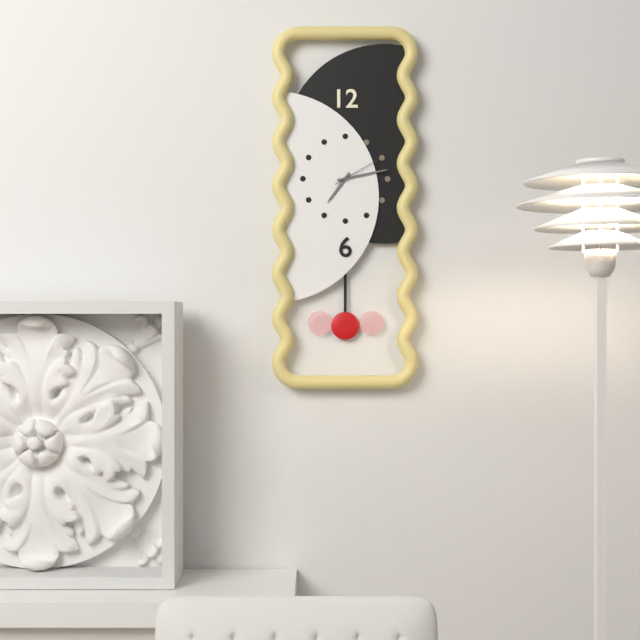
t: 7:13
